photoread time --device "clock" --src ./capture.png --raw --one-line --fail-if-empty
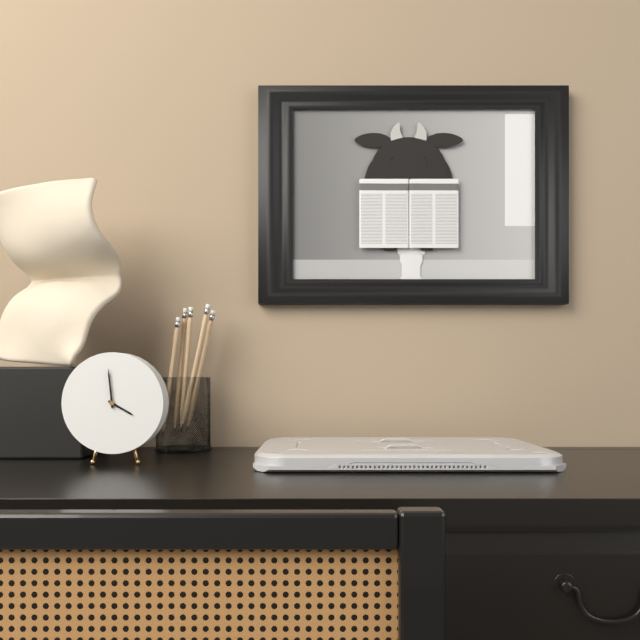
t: 3:59
